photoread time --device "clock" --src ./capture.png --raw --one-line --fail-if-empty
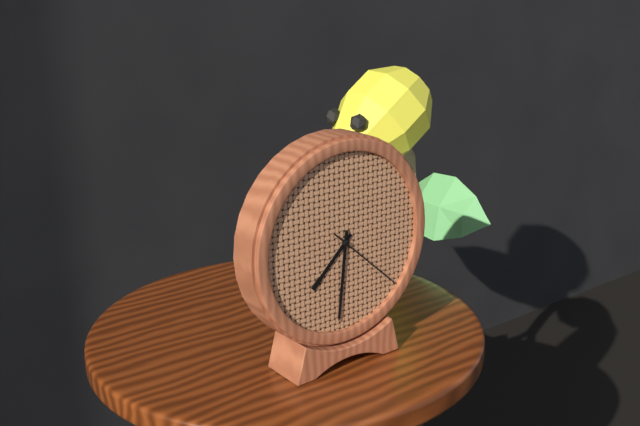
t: 7:31:22
